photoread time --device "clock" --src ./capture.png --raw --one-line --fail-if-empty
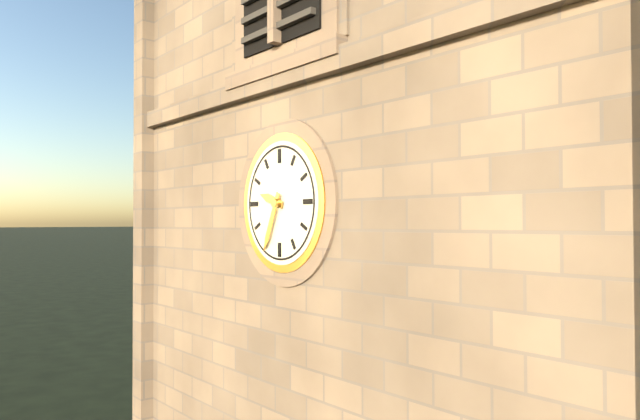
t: 9:34
